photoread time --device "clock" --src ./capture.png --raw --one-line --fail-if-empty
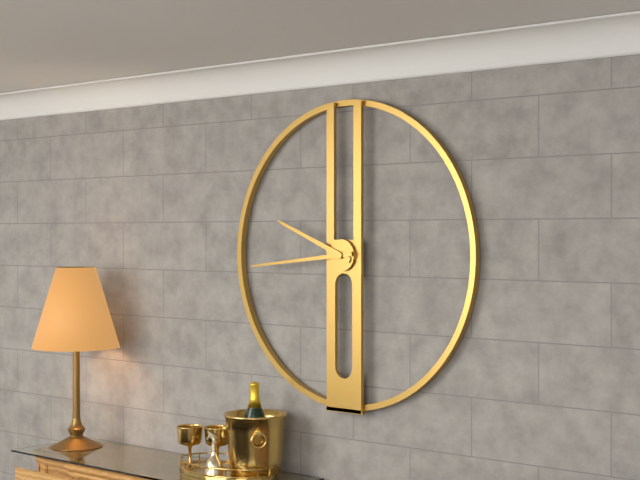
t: 9:44
